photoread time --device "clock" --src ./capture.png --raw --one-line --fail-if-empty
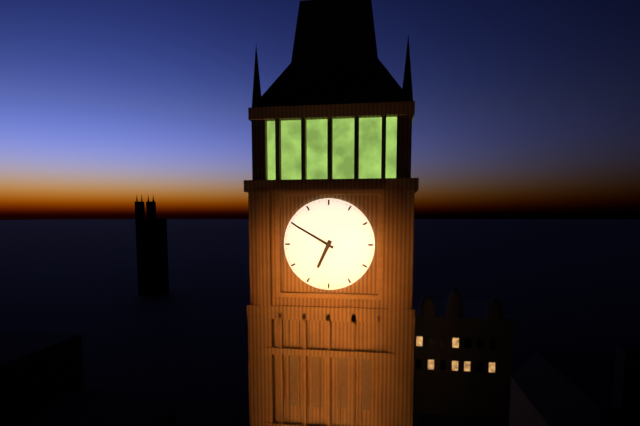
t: 6:50
